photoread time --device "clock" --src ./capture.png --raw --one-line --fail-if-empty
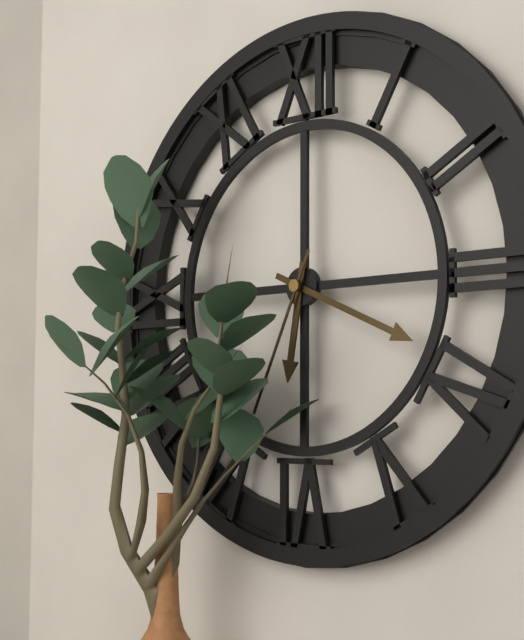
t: 6:19:34
